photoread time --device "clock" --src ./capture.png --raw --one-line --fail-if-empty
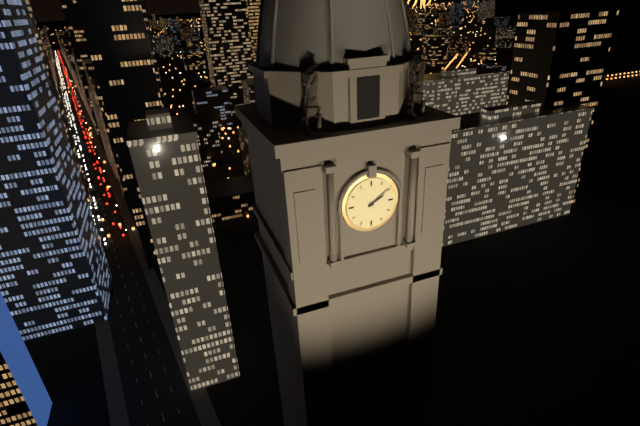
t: 2:09
